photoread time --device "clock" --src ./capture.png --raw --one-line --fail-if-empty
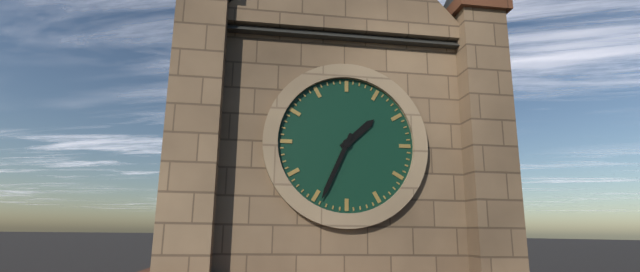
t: 1:34
